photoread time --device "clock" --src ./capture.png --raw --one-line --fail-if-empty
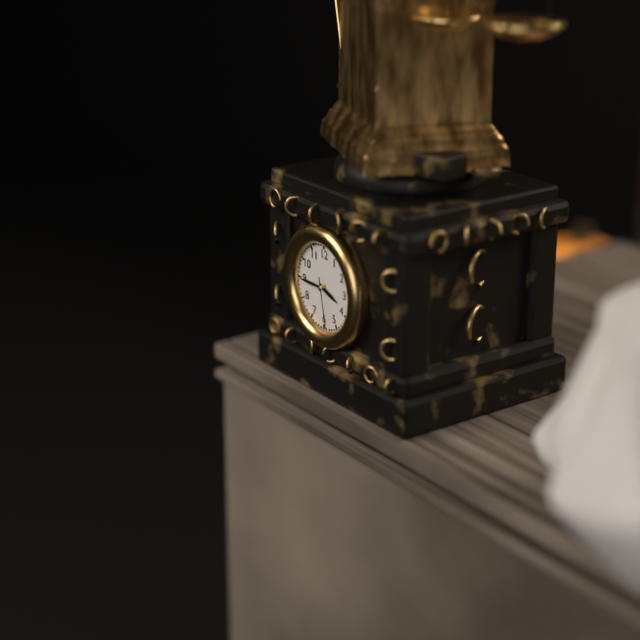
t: 3:45:28
